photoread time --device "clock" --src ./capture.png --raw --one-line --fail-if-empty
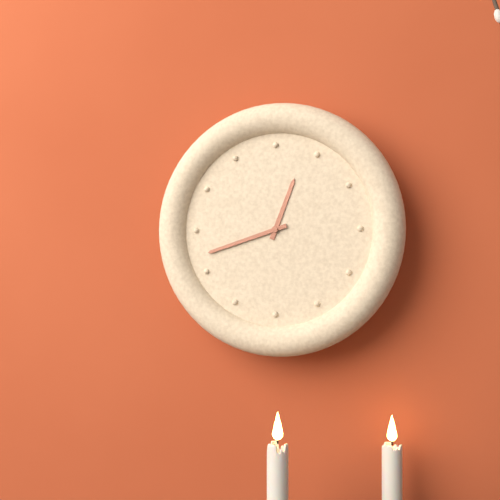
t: 12:42
